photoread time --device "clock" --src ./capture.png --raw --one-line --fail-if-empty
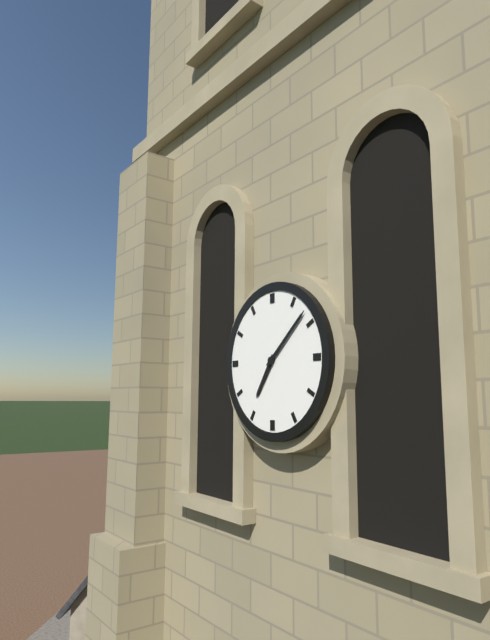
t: 7:08
